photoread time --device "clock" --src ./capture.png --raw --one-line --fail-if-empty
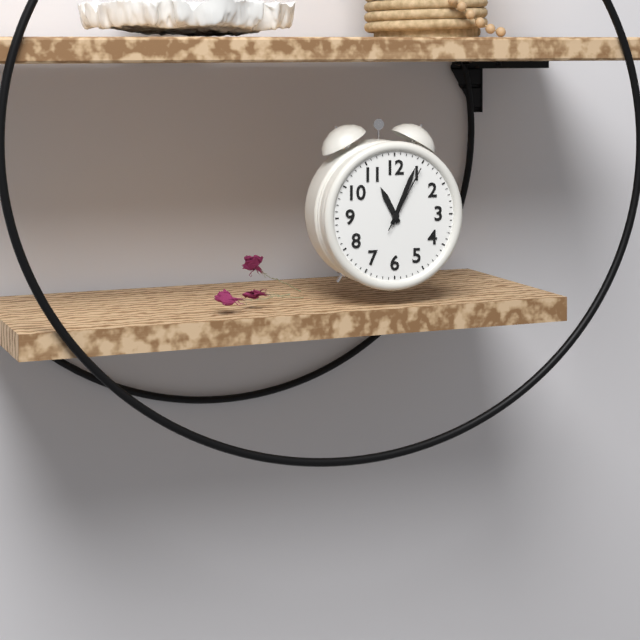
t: 11:04:05
